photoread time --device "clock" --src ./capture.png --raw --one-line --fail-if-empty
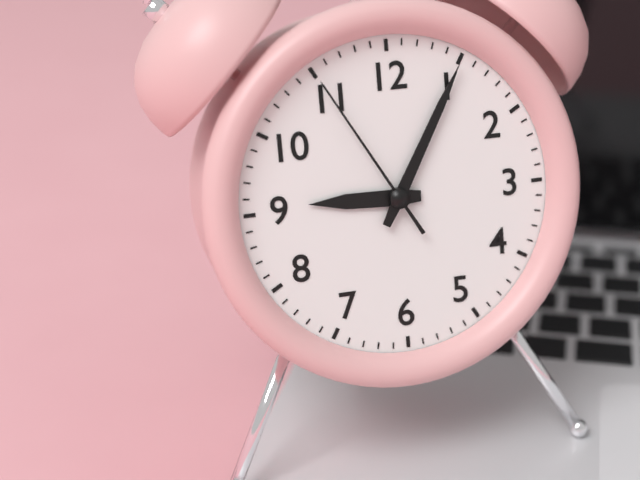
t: 9:05:55
